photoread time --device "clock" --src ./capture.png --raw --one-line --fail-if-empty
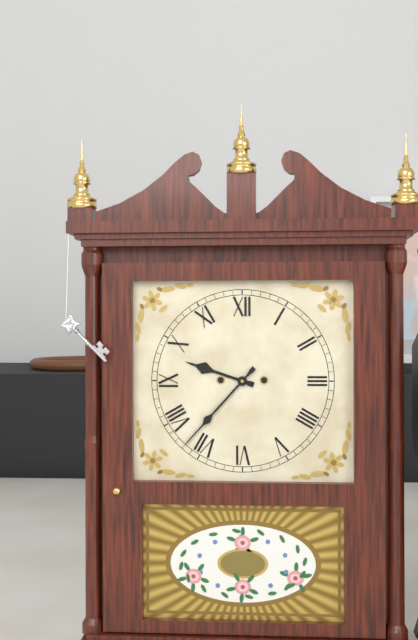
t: 9:37
